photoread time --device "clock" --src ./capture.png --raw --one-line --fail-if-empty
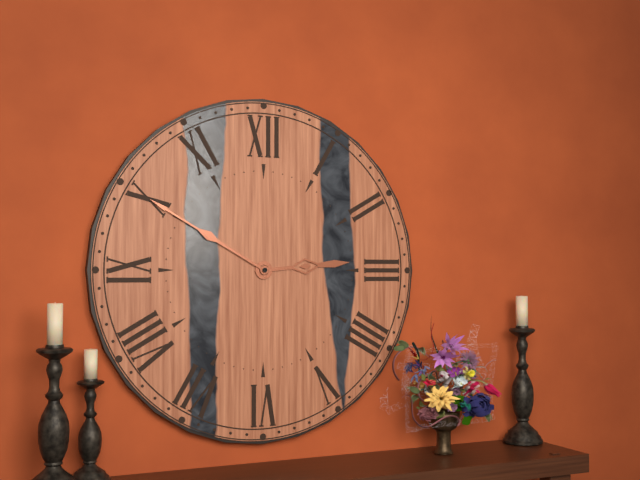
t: 2:50
